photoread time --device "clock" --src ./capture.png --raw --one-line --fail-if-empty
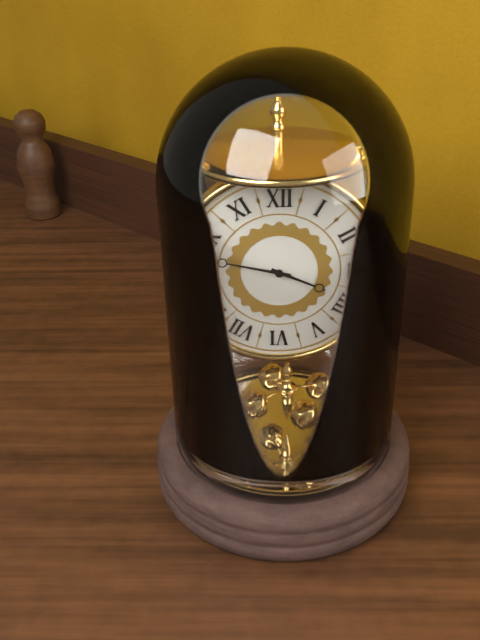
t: 3:47
